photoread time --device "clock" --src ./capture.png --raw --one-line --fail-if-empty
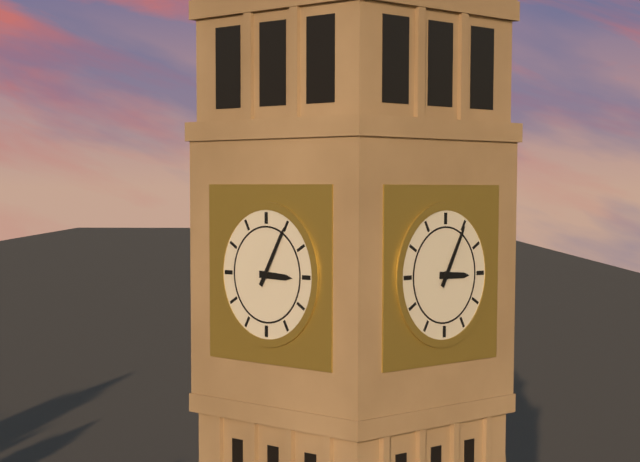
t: 3:05
